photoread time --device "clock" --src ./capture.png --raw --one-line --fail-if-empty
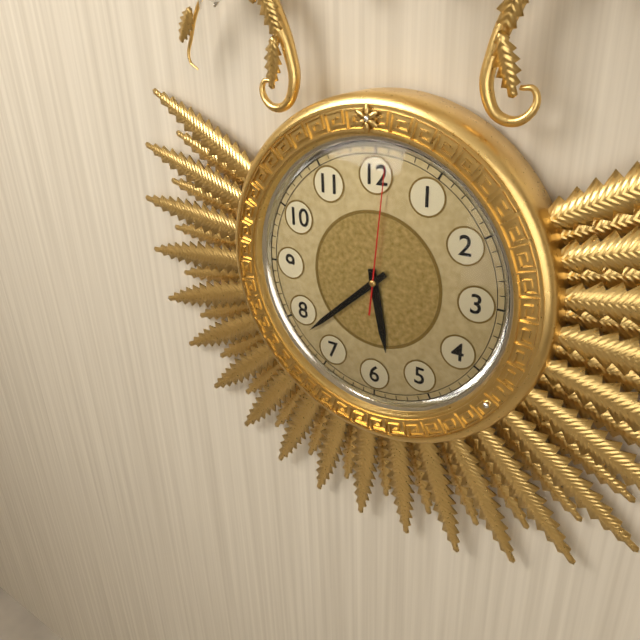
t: 5:38:01
